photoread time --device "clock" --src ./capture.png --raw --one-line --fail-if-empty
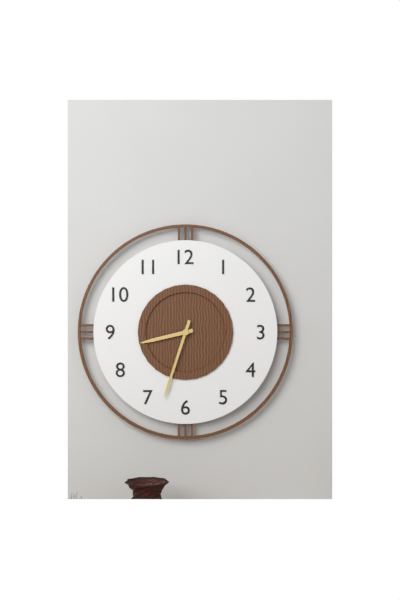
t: 8:33
